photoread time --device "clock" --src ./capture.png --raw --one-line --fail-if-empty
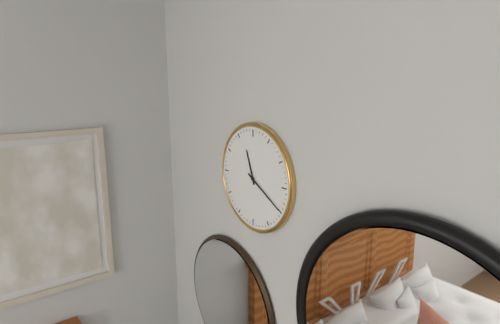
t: 11:20
